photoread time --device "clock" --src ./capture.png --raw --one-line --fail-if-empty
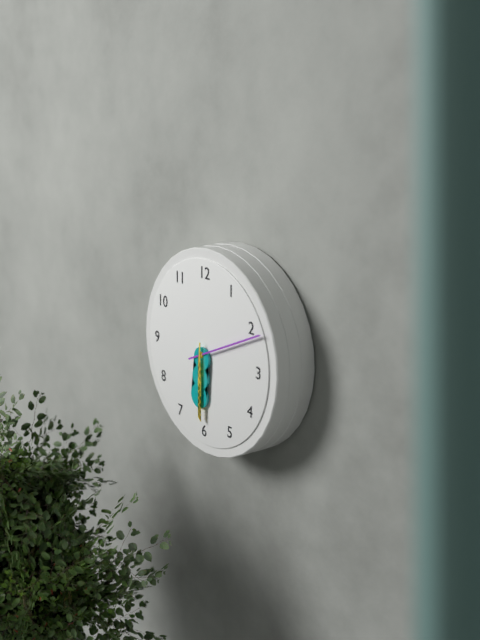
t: 6:11:30
